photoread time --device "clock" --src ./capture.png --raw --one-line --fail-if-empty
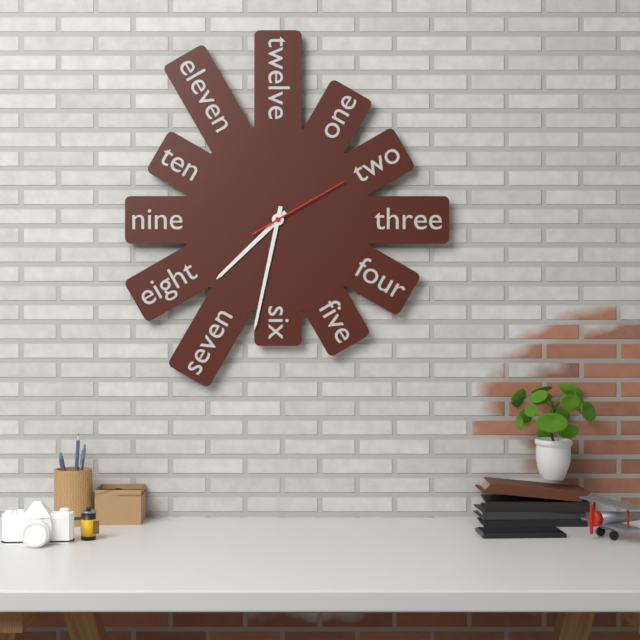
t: 7:32:10
